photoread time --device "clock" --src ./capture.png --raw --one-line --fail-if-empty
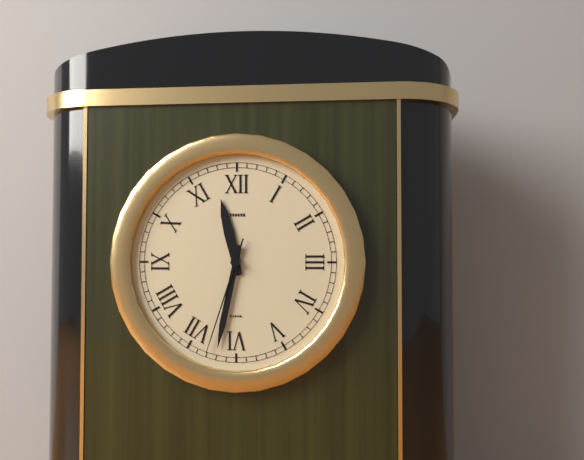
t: 11:32:33
